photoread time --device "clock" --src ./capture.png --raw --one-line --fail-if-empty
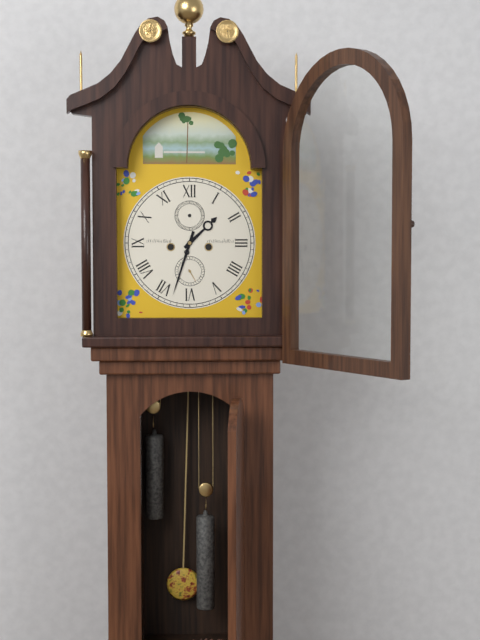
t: 1:33
